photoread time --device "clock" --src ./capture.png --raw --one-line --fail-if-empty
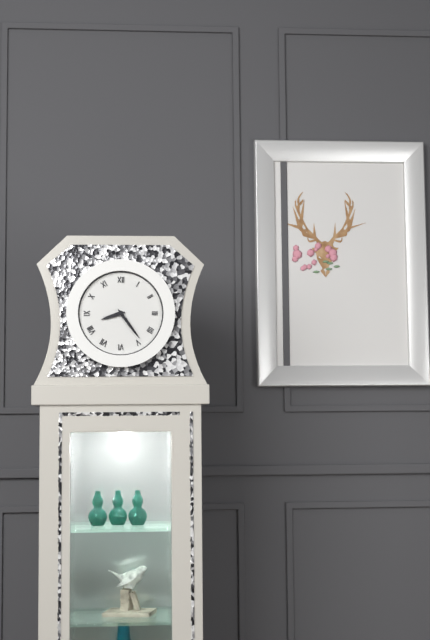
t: 8:24
